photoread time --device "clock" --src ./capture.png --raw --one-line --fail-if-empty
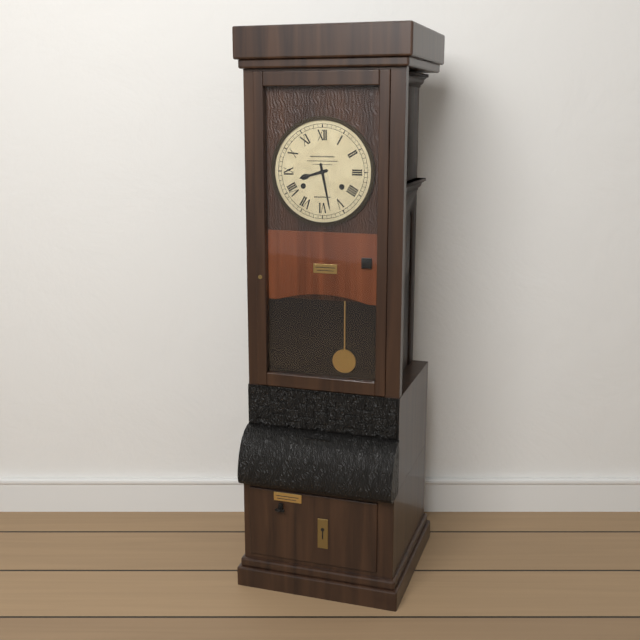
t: 8:28
